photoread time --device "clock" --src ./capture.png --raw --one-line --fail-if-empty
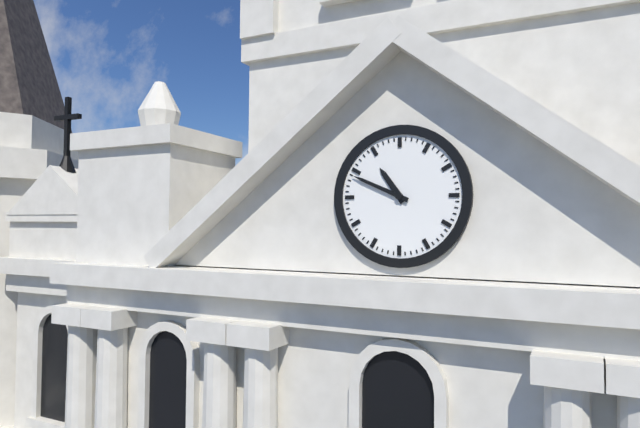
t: 10:49
